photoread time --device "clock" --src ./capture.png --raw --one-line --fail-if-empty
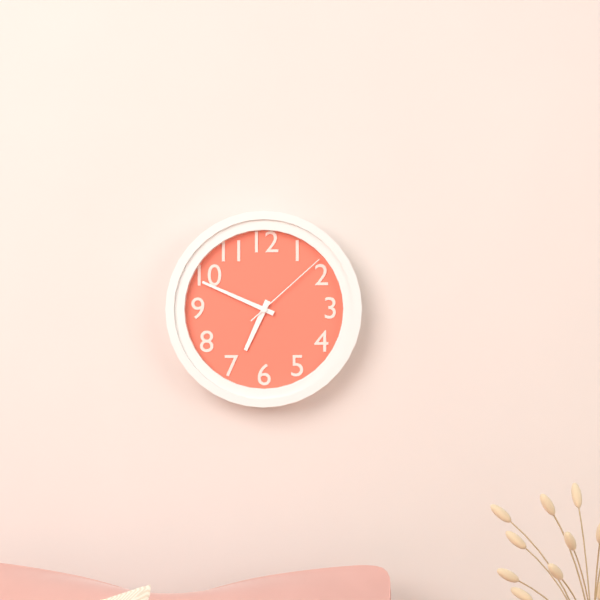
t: 6:49:08
